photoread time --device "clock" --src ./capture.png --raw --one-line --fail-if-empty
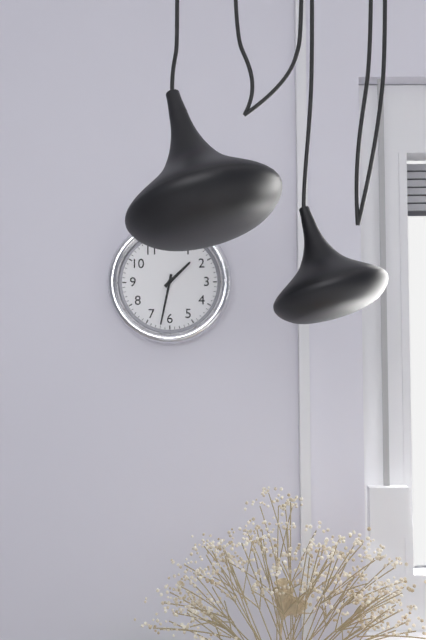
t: 1:32
